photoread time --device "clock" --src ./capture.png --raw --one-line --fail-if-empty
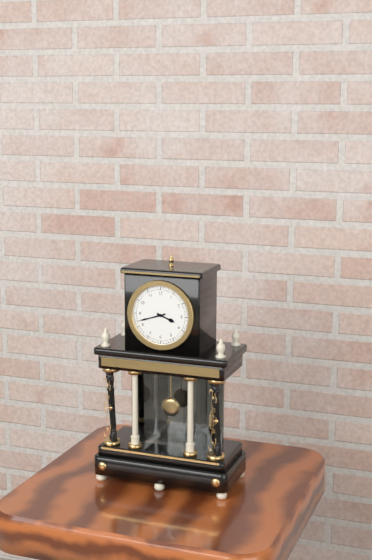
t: 3:42
